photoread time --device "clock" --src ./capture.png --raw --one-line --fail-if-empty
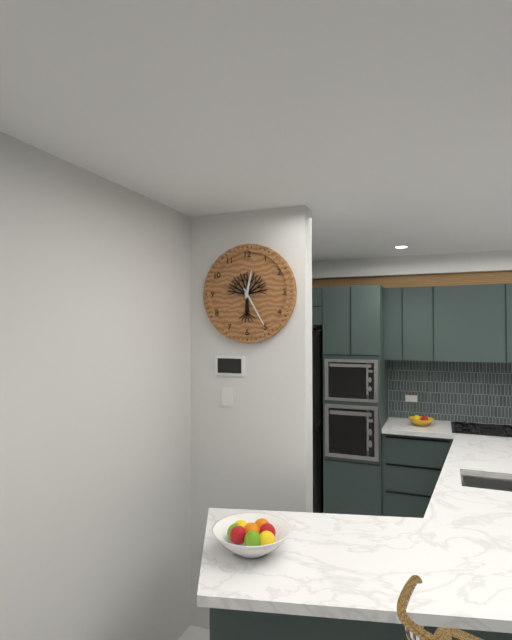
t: 12:25
